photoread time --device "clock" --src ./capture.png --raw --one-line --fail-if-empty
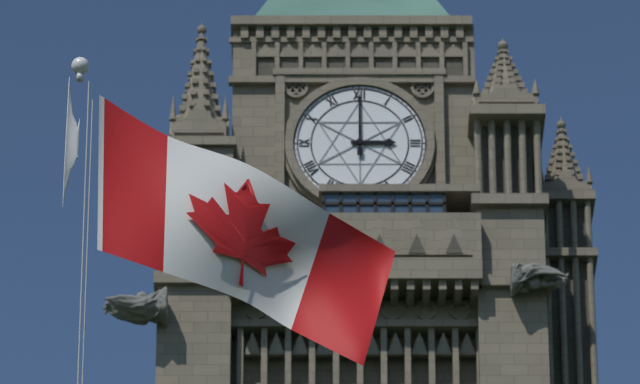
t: 3:00
